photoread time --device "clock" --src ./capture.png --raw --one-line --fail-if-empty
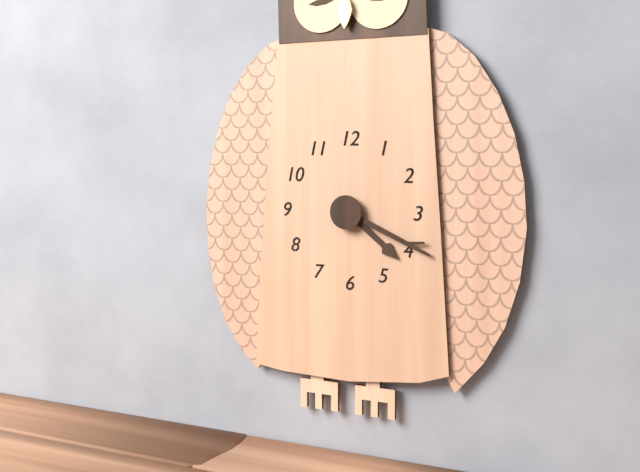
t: 4:19
